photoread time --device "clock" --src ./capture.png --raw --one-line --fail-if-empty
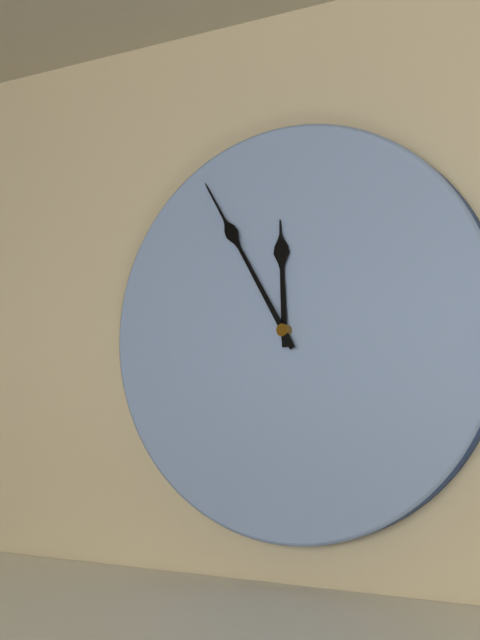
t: 11:55
